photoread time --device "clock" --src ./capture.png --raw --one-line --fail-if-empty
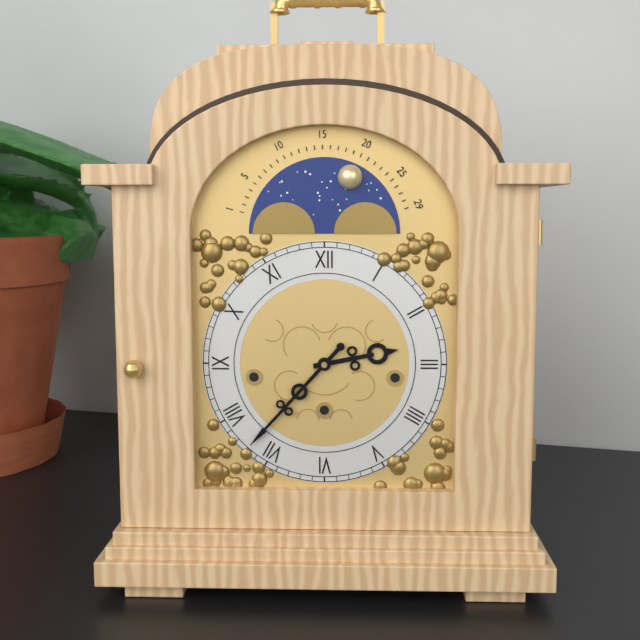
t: 2:37
